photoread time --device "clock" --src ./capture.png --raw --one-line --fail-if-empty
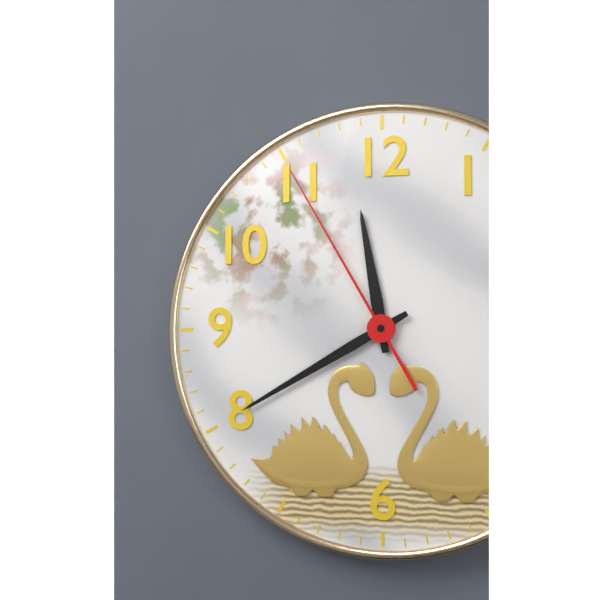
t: 11:40:55
